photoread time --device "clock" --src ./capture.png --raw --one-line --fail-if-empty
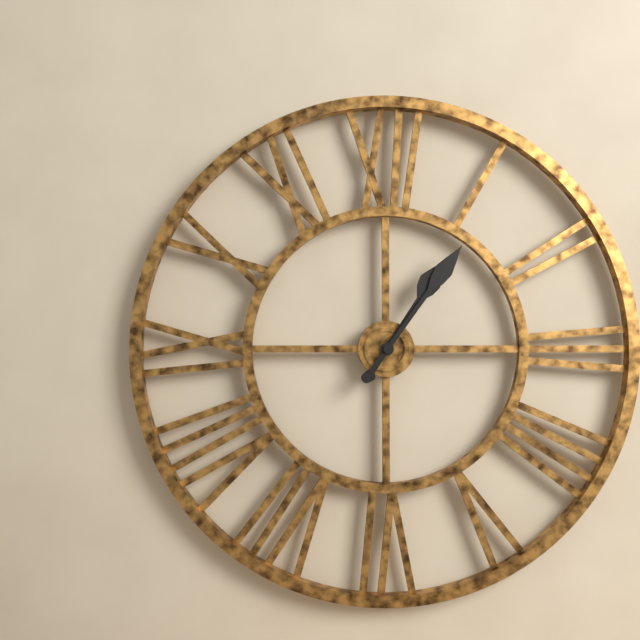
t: 1:06
